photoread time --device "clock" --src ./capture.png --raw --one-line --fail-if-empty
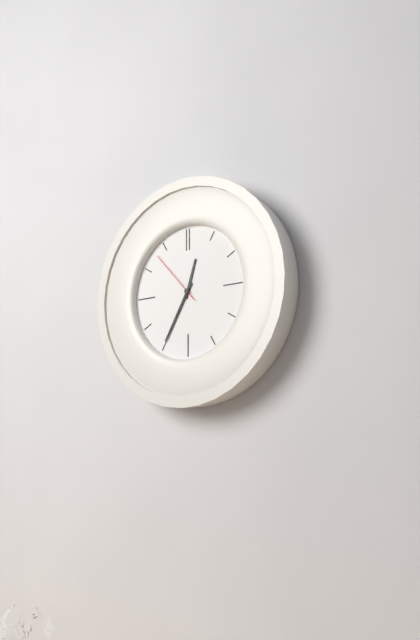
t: 12:35:53
